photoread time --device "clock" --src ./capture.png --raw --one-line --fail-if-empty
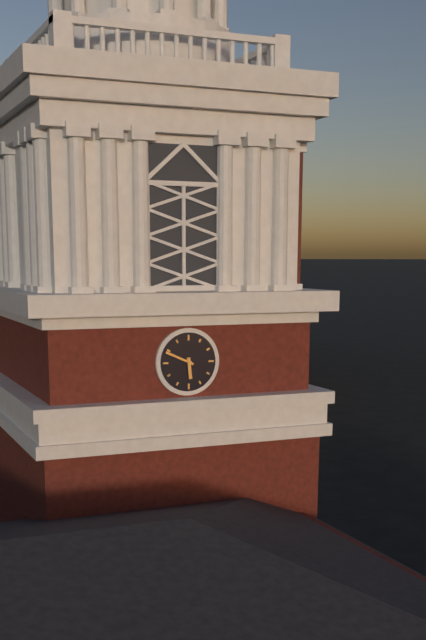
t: 5:49
